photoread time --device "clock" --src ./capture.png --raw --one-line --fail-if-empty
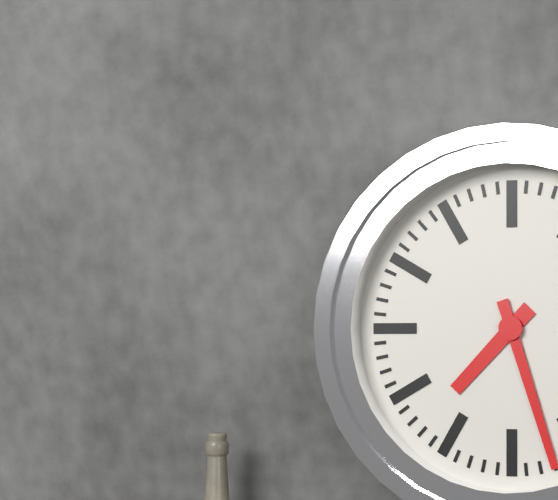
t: 7:27
